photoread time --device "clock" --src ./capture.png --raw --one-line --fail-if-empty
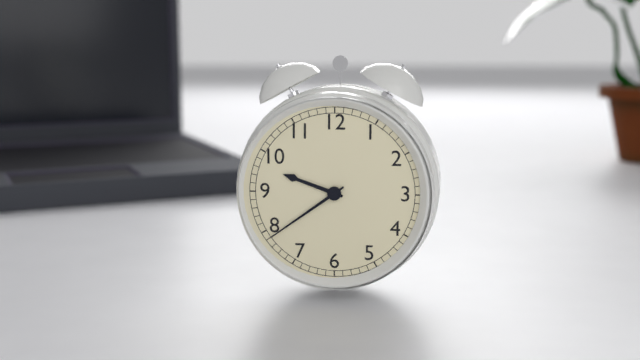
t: 9:39
